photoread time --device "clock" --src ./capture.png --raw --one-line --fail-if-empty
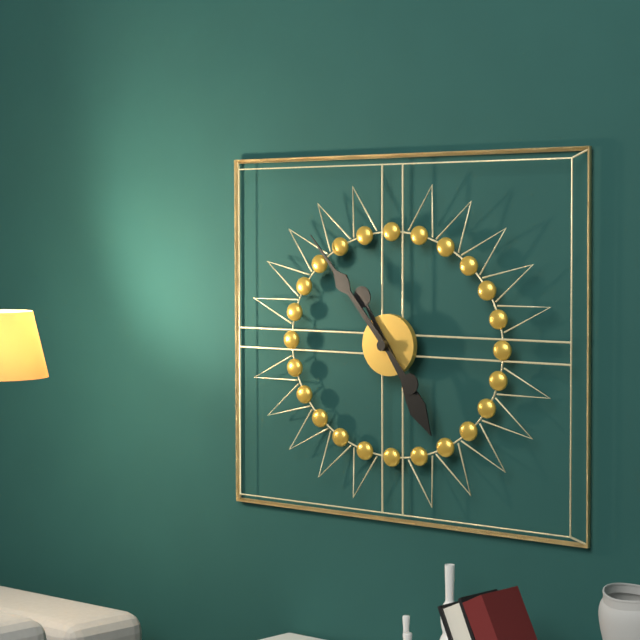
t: 4:53
